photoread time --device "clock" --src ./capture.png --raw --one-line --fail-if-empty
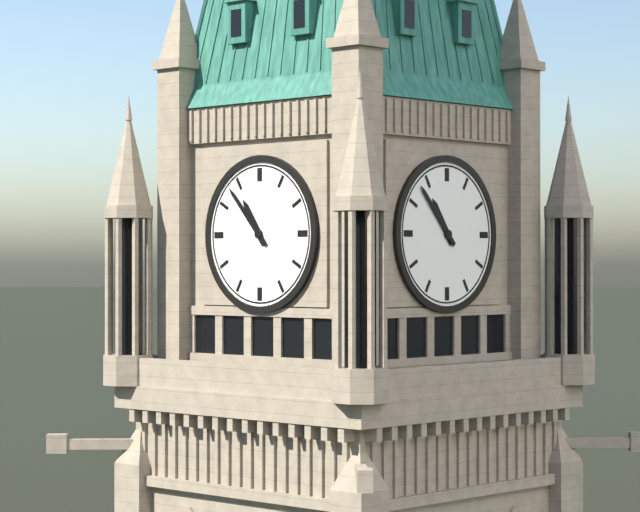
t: 10:53
